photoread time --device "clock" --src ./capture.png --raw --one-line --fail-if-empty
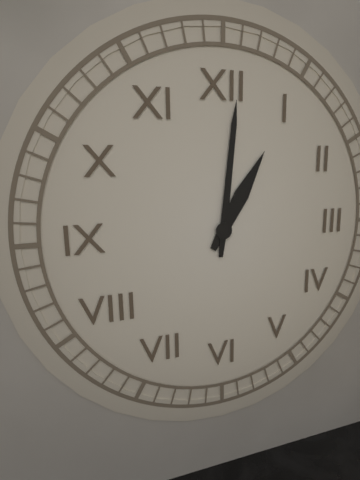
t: 1:01
